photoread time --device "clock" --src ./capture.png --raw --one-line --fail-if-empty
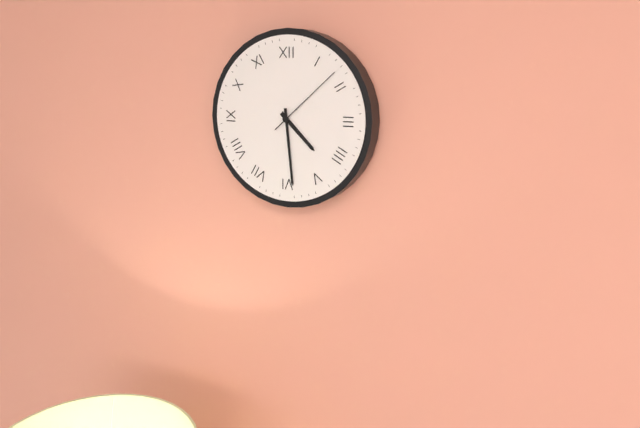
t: 4:29:08
